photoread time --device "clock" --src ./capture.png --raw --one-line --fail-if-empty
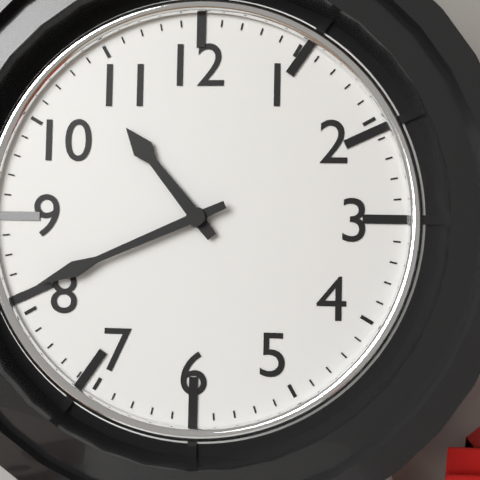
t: 10:41
